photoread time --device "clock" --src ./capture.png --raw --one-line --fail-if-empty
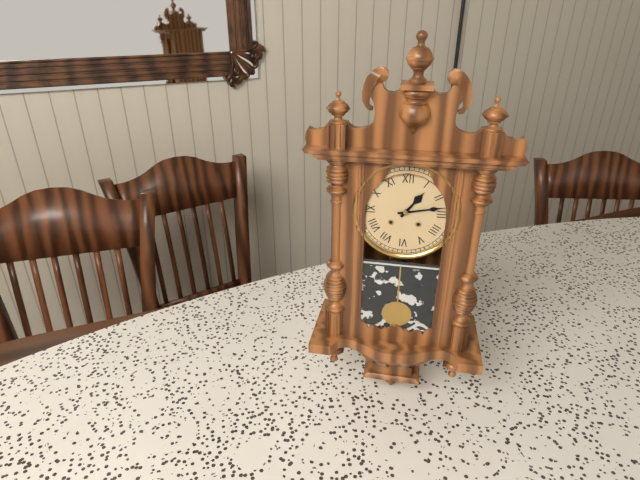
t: 1:13
